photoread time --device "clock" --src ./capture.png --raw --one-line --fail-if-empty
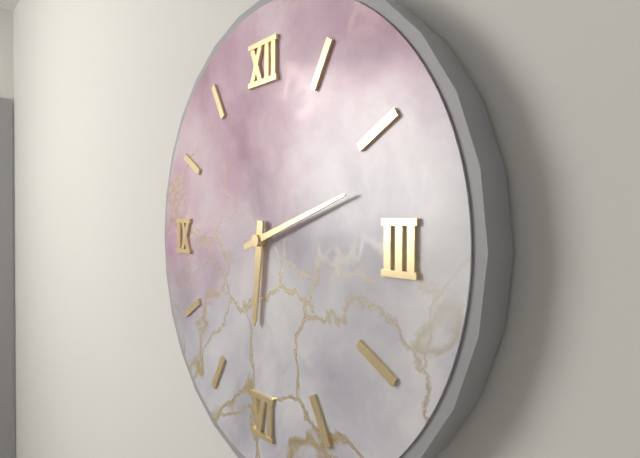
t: 6:12
